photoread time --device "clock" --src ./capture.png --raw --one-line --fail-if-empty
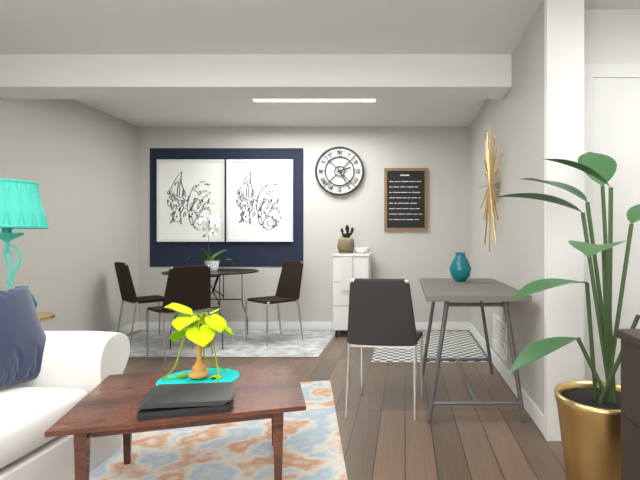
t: 2:25
